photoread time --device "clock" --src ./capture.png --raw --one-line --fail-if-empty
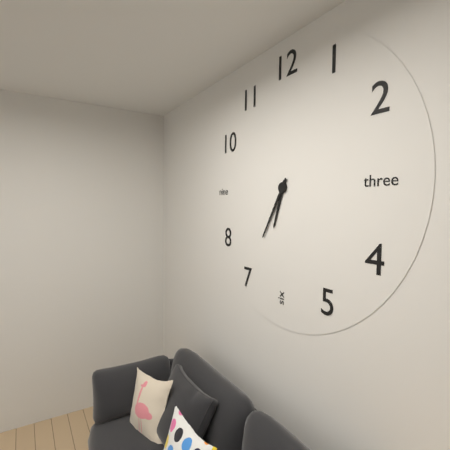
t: 6:35
